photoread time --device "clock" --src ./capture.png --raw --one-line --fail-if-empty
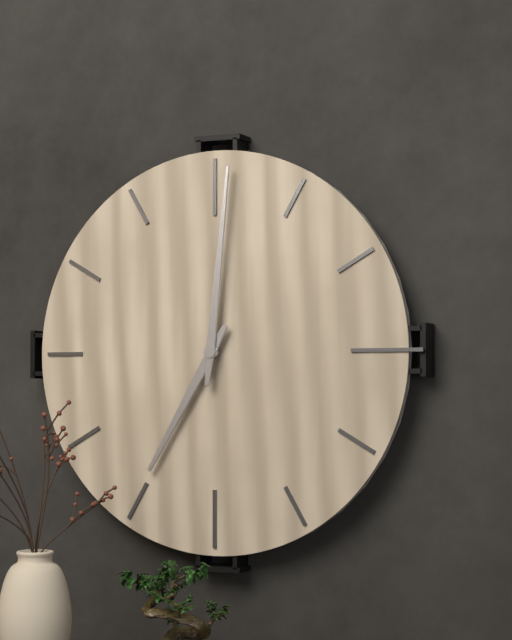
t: 7:01
